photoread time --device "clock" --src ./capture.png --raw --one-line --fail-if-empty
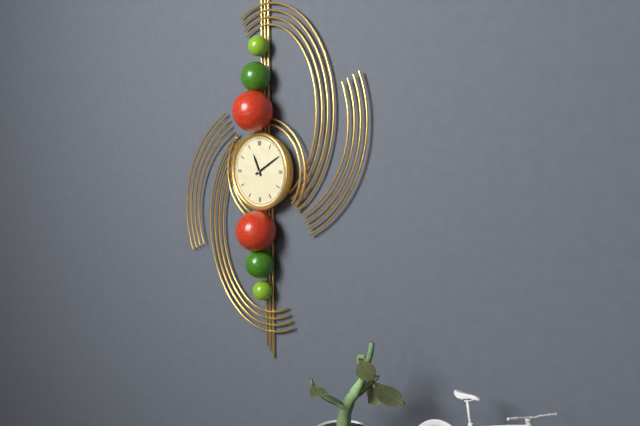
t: 11:10
